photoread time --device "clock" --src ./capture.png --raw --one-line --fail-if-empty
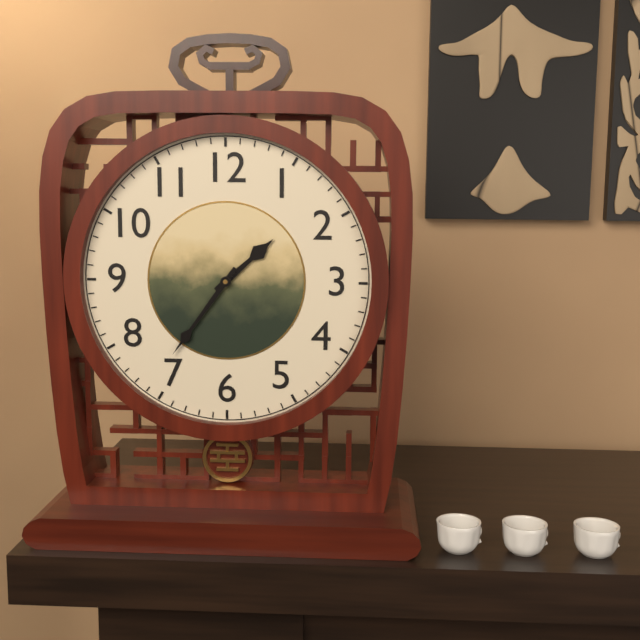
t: 1:36
